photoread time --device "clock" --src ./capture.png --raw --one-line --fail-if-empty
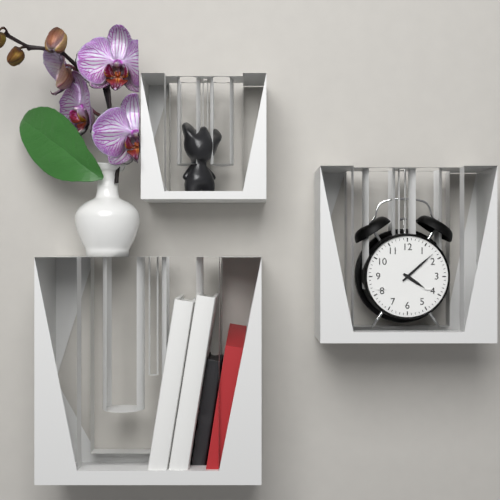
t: 4:08
